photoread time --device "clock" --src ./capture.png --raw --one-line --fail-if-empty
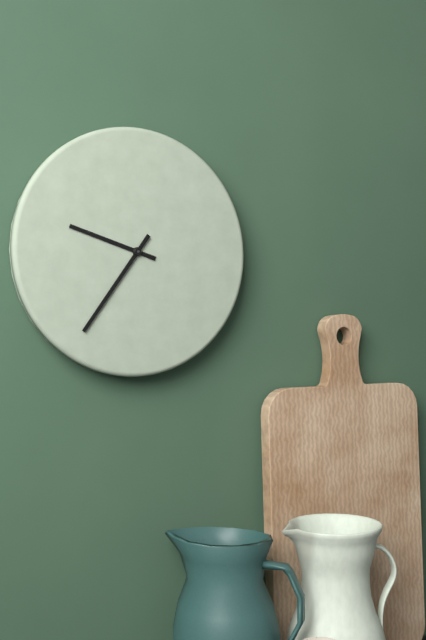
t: 9:36
